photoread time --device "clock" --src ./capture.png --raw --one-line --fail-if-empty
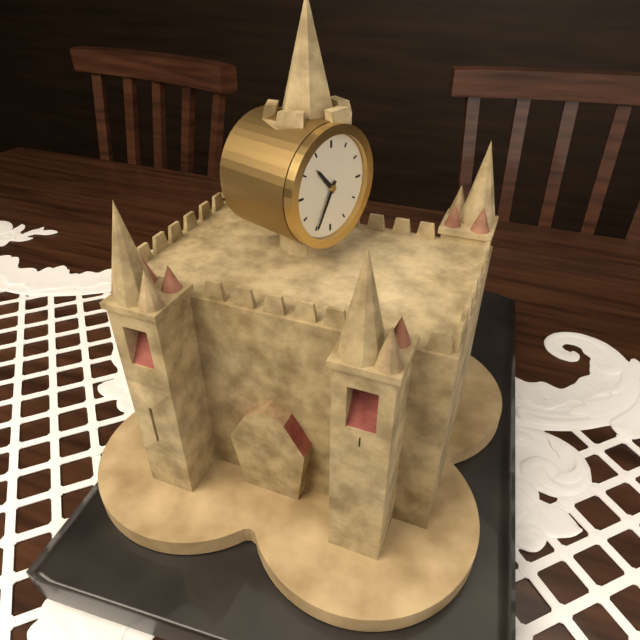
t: 10:35
